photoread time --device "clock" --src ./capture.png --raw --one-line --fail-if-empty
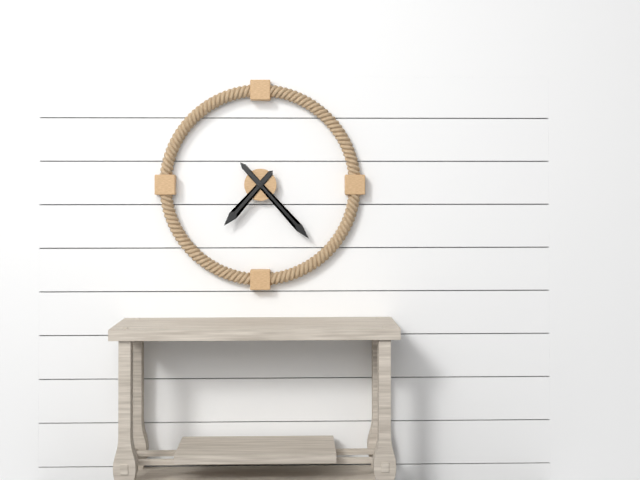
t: 7:23
